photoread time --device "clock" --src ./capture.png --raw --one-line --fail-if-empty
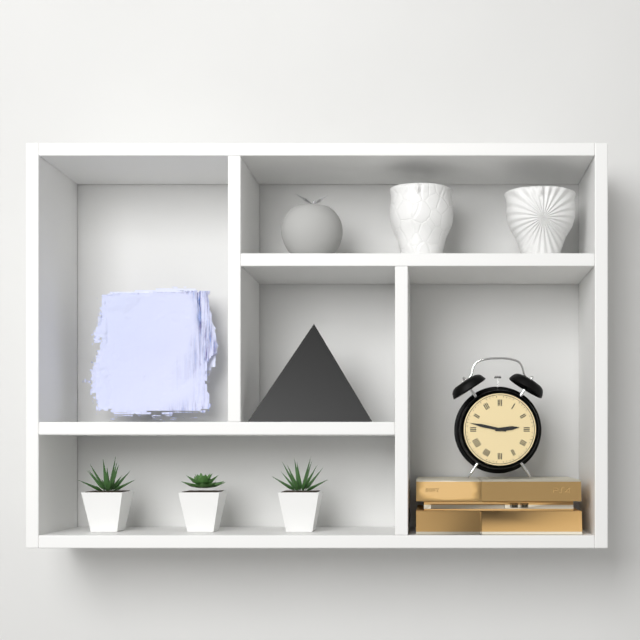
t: 2:47
